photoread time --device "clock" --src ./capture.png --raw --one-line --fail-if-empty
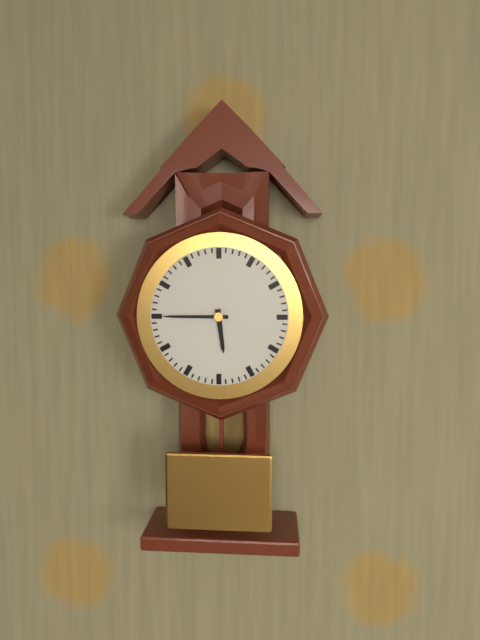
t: 5:45
